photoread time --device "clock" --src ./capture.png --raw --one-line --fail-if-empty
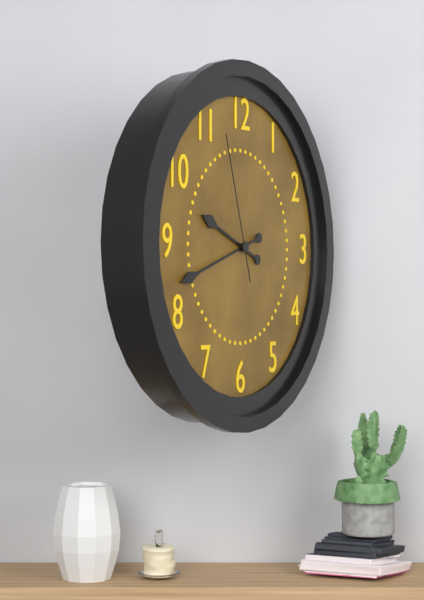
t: 9:42:57
